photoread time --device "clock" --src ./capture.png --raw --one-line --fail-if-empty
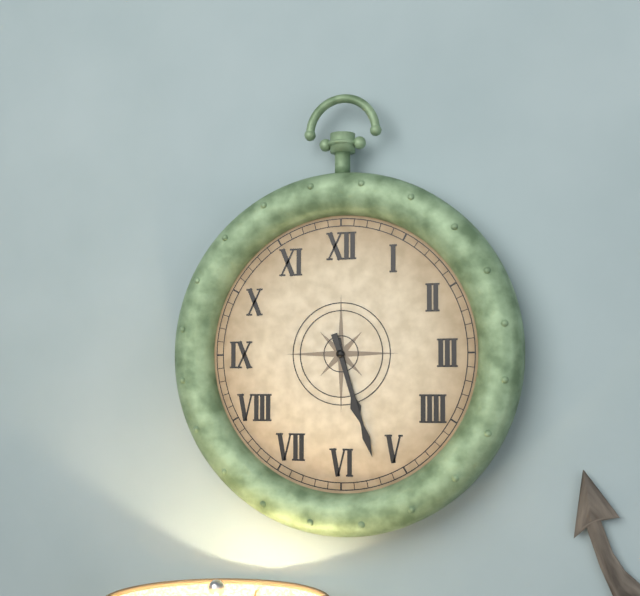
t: 5:27
